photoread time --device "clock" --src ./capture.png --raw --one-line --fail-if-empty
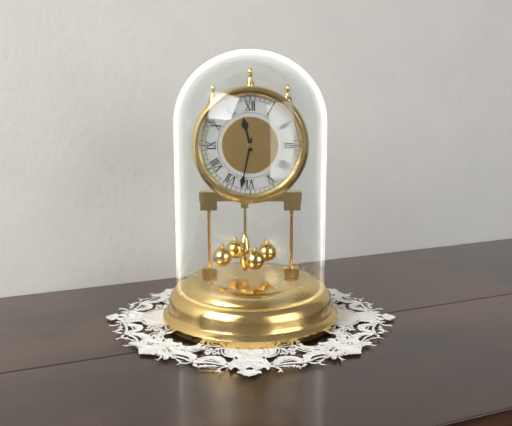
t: 11:32
